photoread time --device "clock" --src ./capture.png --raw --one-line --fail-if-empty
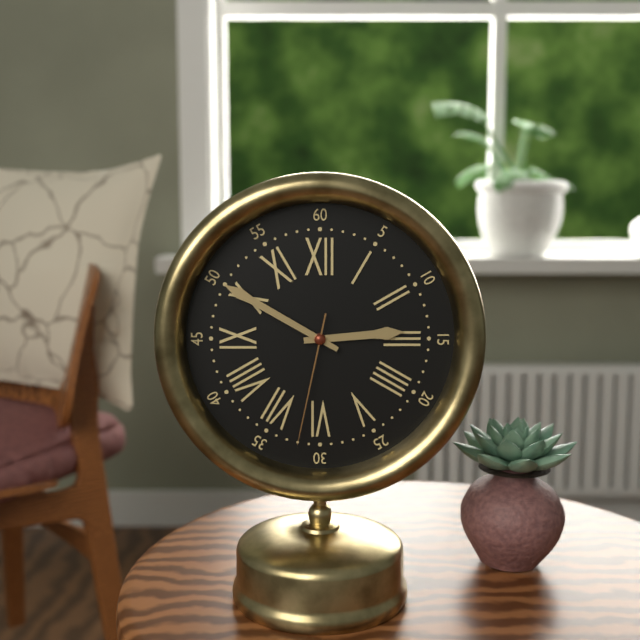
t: 2:50:32
